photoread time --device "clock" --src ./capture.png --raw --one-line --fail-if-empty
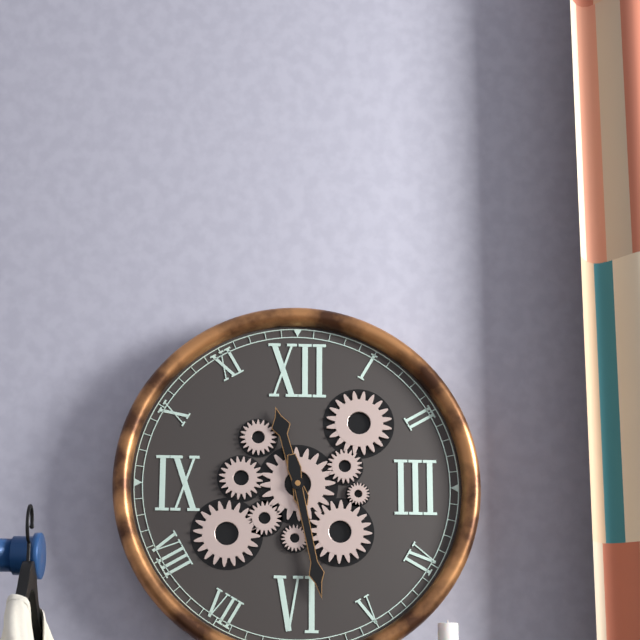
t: 11:28
